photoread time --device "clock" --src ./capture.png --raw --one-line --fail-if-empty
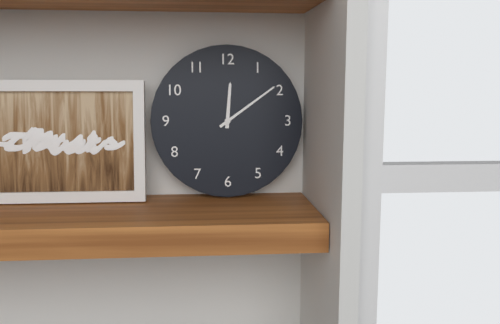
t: 12:09
